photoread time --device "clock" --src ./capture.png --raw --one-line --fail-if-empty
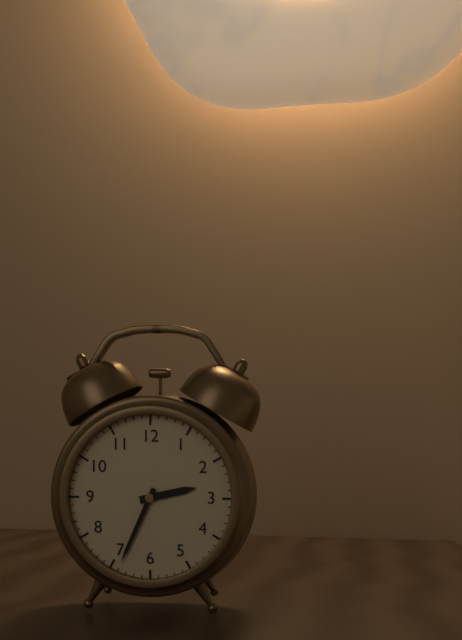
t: 2:34
